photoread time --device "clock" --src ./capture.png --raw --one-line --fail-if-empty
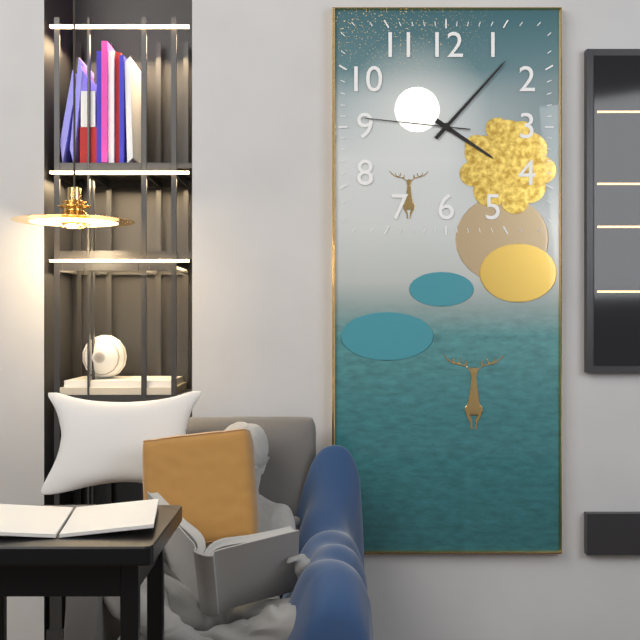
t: 4:07:46
